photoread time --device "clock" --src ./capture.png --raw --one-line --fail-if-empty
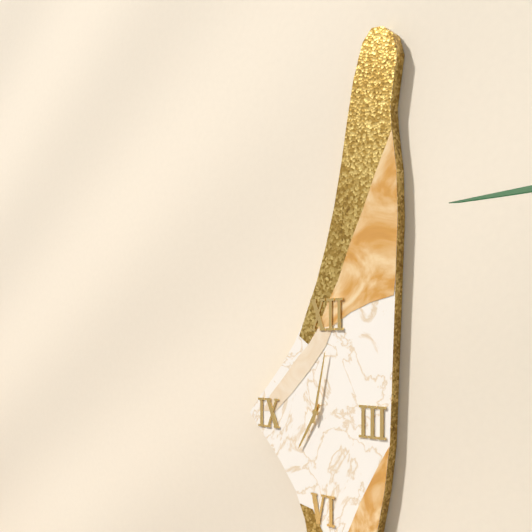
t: 7:02
